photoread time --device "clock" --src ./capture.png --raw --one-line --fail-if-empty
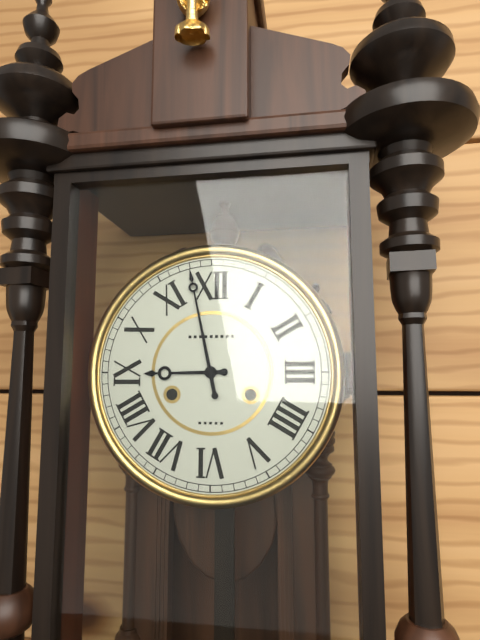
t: 8:58
